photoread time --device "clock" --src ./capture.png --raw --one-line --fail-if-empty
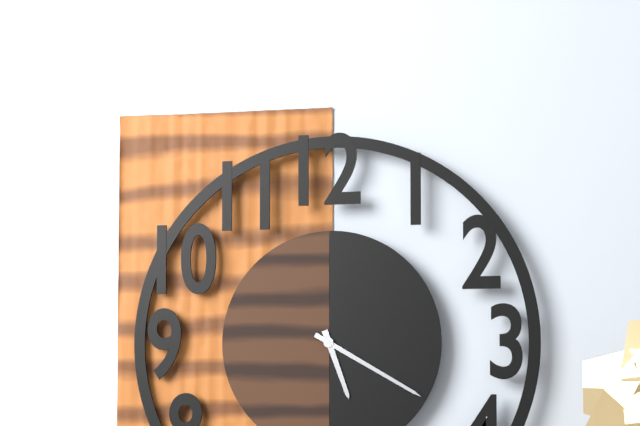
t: 5:20
